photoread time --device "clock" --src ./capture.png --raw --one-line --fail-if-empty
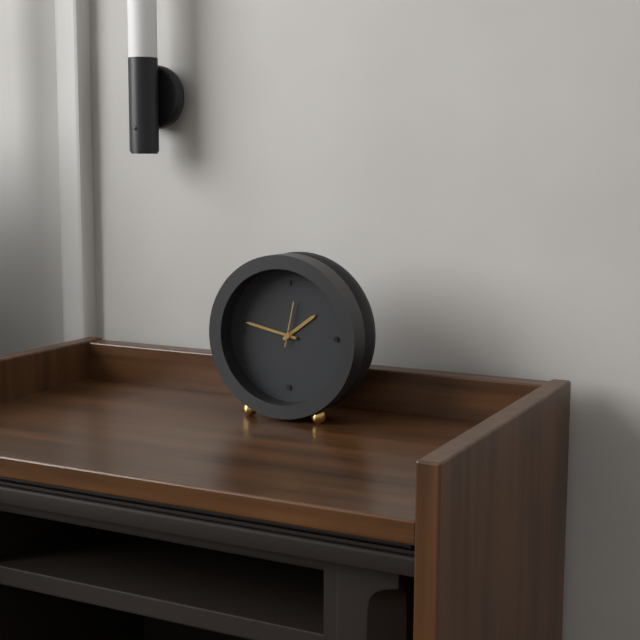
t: 1:47
